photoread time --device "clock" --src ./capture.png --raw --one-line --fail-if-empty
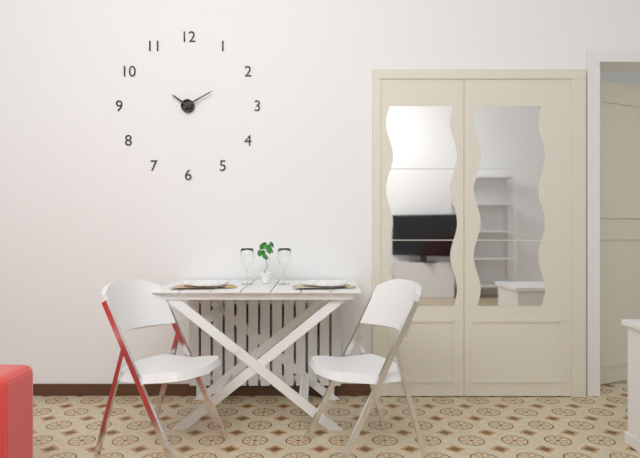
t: 10:10
